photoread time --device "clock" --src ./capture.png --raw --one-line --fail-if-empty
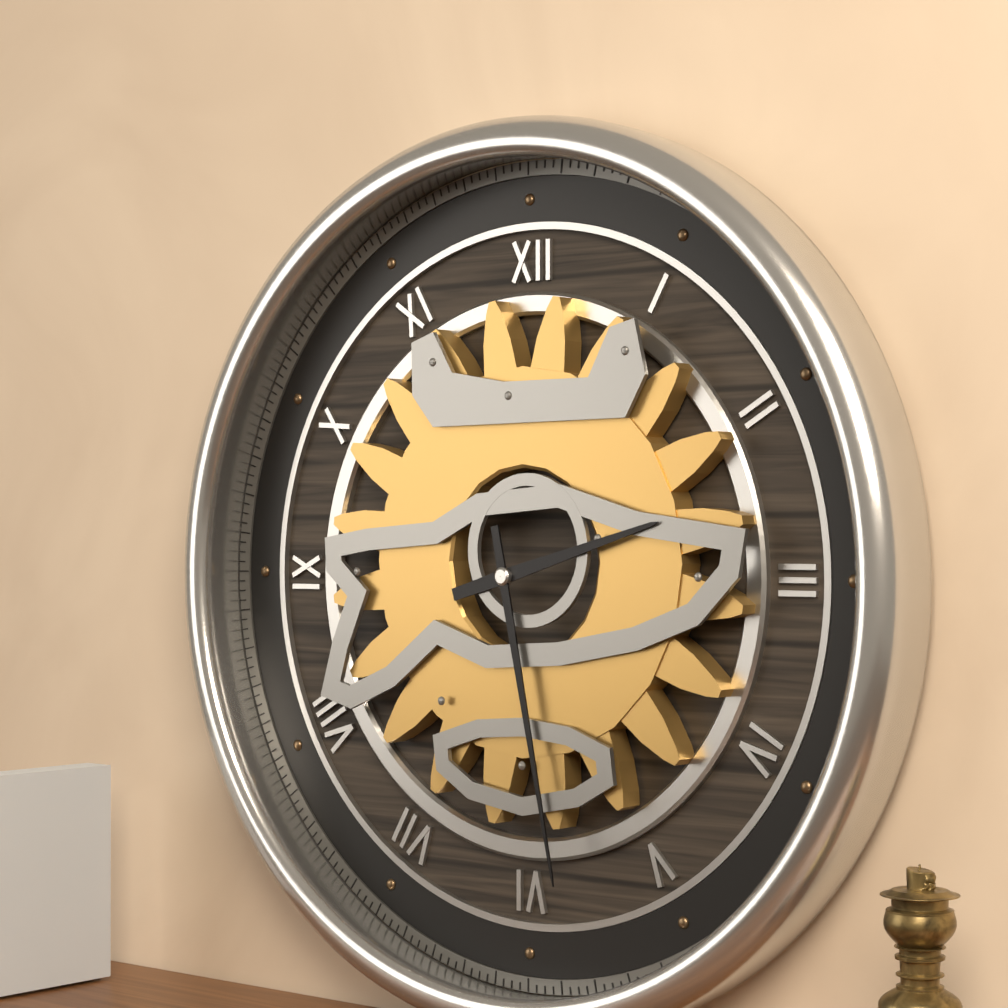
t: 2:28
